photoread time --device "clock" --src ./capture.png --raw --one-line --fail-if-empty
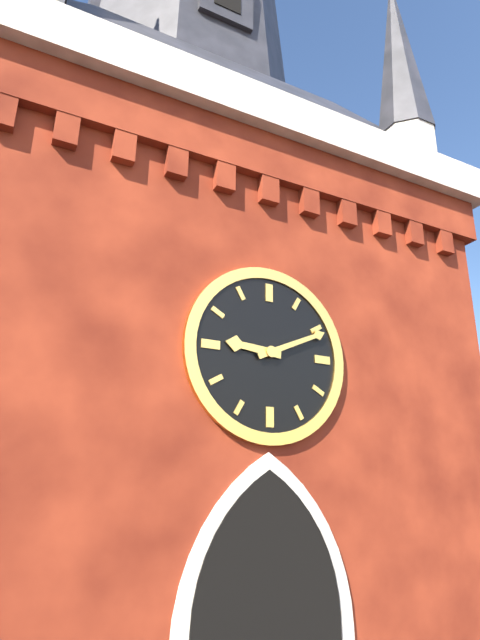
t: 9:11
